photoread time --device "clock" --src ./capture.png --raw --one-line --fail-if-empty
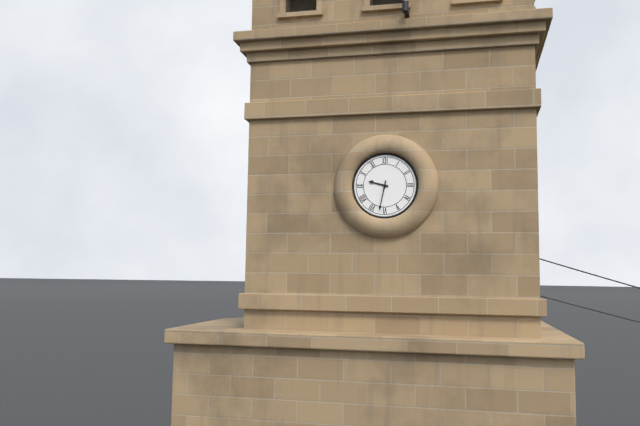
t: 9:32
